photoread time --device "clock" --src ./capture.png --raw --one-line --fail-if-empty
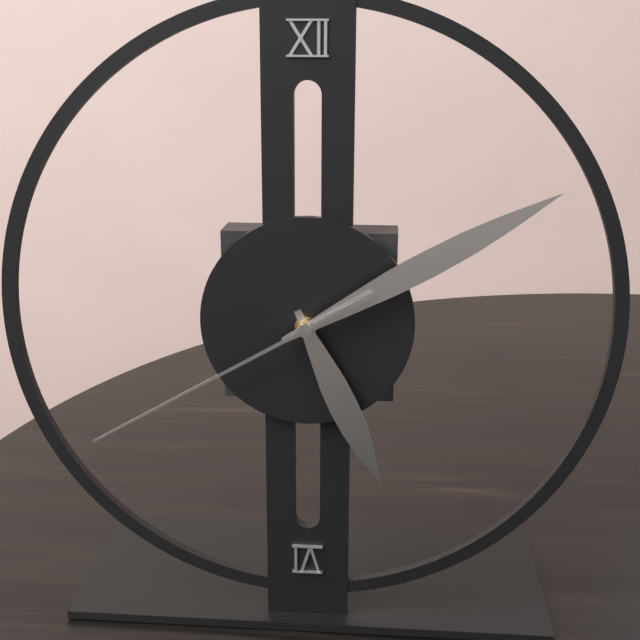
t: 5:10:40
